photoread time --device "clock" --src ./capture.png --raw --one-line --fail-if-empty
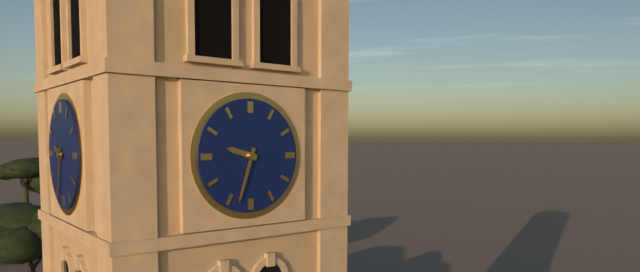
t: 9:33
